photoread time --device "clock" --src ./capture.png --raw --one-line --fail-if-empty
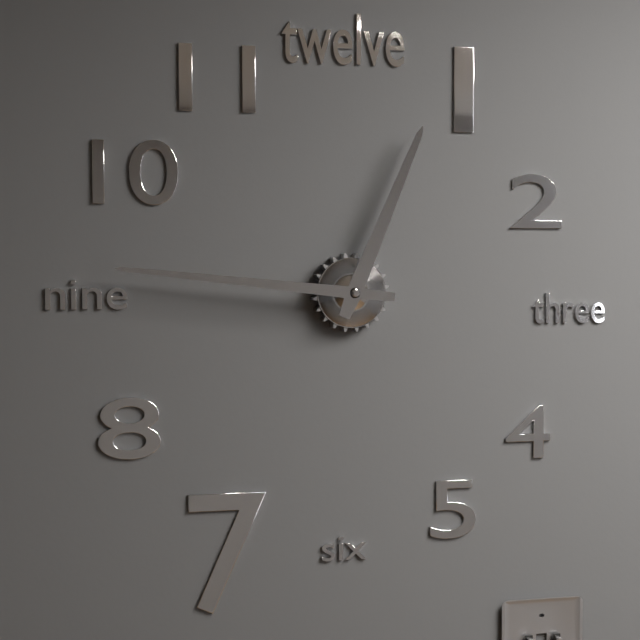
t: 12:46
